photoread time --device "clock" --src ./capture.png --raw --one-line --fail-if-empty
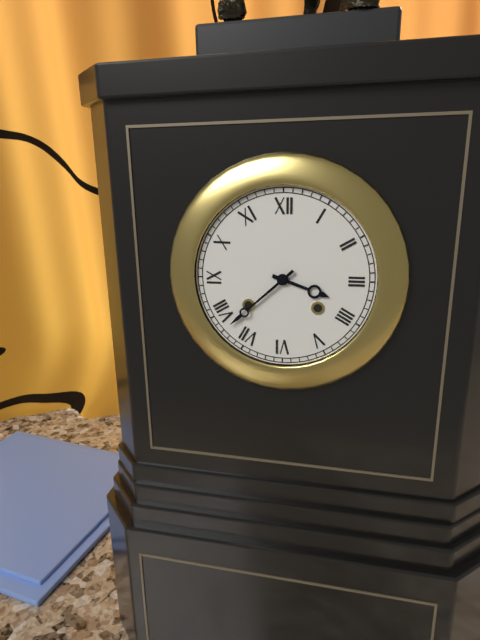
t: 3:38
